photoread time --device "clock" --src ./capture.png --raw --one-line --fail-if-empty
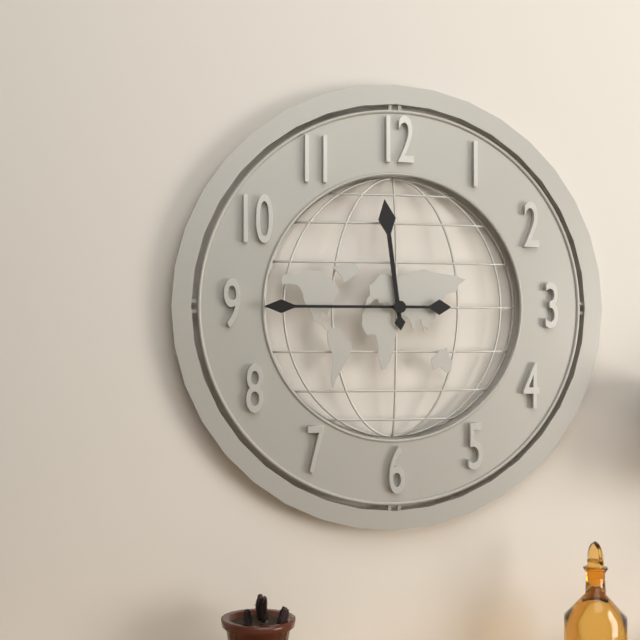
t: 11:45
